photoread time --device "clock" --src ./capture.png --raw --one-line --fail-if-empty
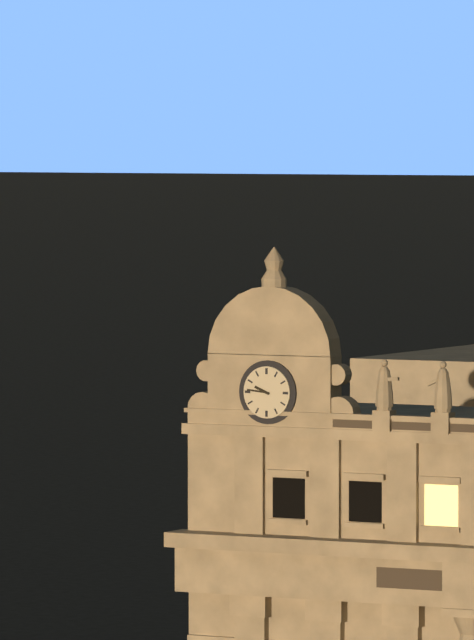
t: 9:46
